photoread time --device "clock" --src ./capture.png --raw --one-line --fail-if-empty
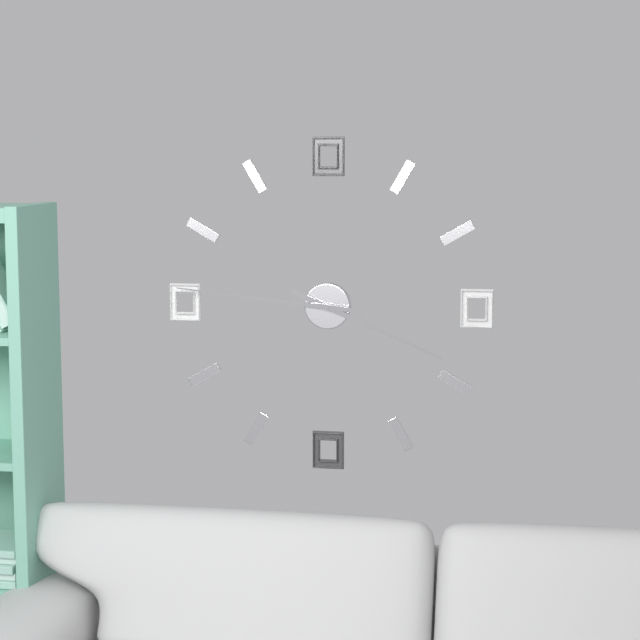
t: 3:46
